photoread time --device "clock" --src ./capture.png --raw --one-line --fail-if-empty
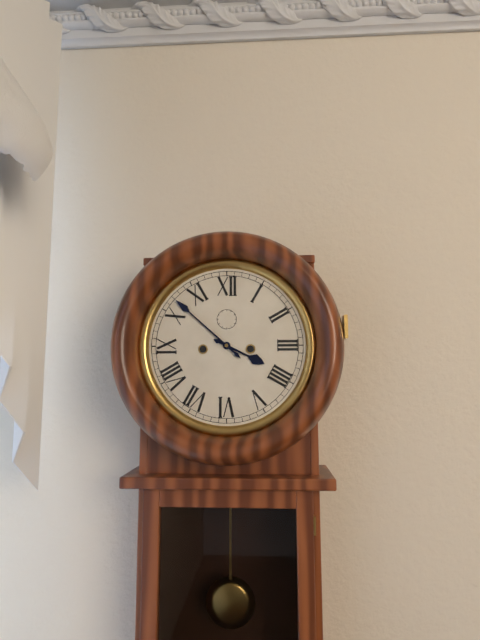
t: 3:52
